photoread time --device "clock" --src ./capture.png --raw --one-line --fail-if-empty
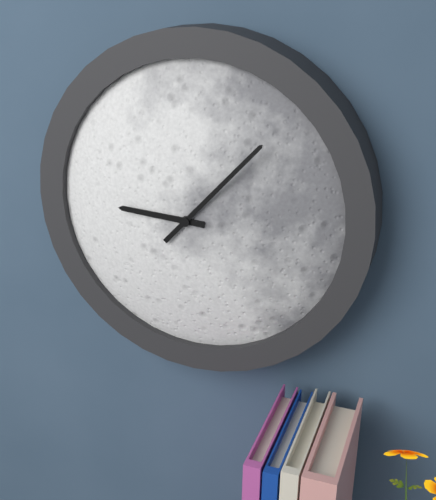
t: 9:07
